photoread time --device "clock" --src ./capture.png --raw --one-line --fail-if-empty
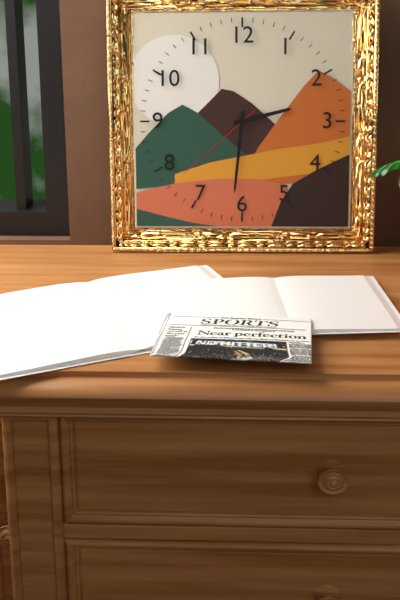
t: 2:31:38
